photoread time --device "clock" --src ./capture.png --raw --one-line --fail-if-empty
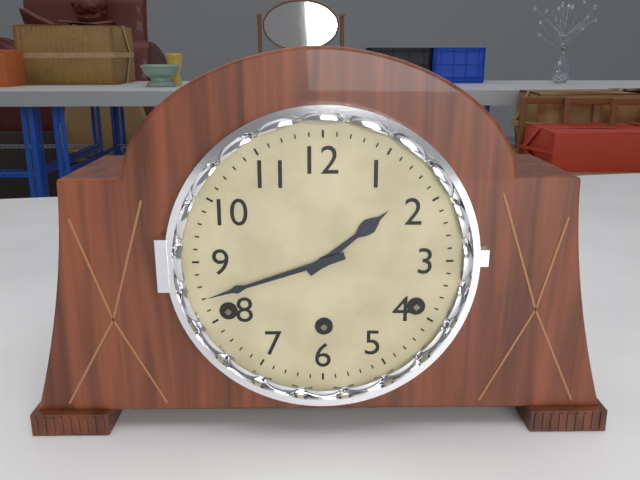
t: 1:42
